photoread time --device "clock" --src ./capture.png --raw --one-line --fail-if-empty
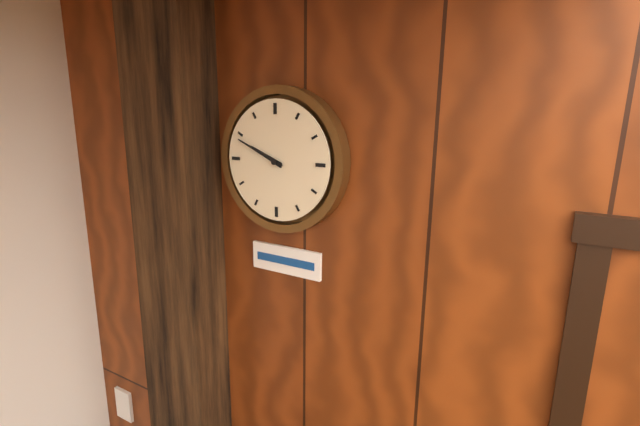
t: 9:49
